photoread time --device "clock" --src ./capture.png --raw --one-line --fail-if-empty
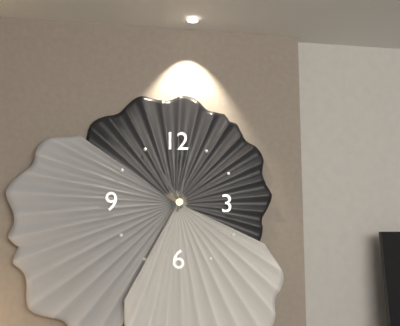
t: 11:02
